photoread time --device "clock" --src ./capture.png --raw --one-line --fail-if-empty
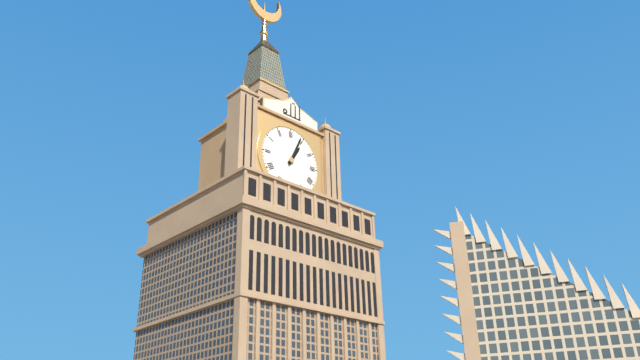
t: 1:04
